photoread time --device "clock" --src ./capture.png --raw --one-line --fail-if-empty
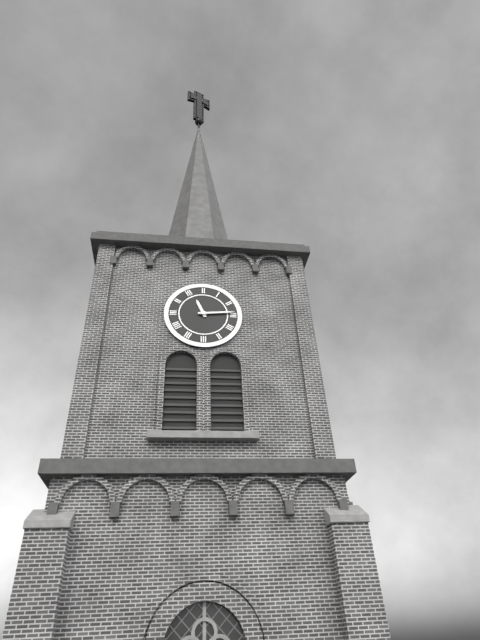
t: 11:14
